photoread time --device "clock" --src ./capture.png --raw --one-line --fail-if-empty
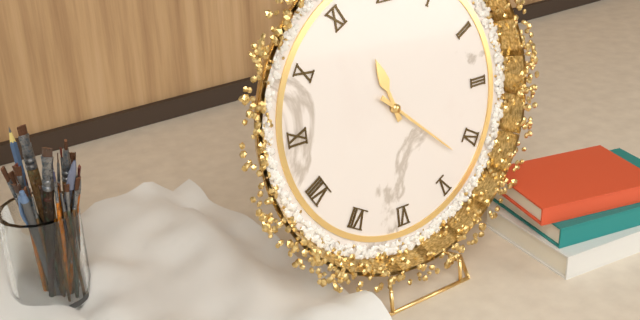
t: 11:22
